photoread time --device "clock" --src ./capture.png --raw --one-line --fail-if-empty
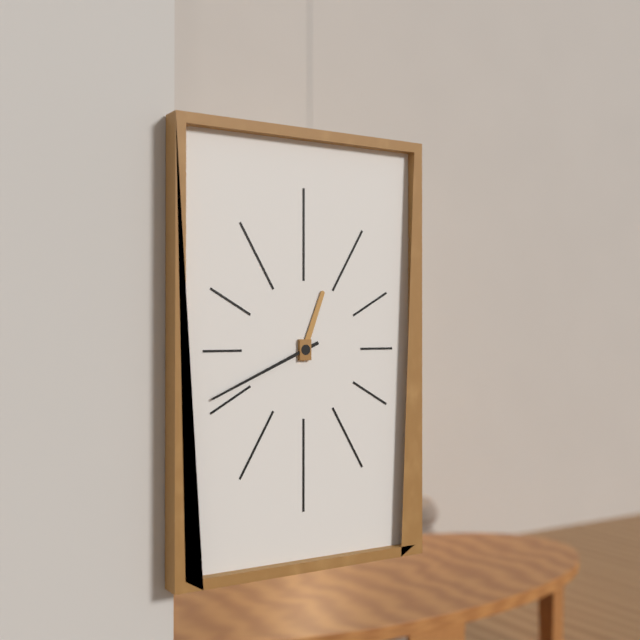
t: 12:41
